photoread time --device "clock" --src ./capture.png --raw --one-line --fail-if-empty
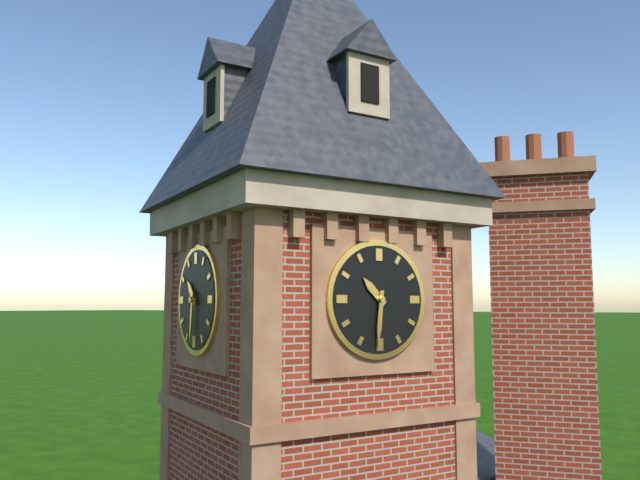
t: 10:31
